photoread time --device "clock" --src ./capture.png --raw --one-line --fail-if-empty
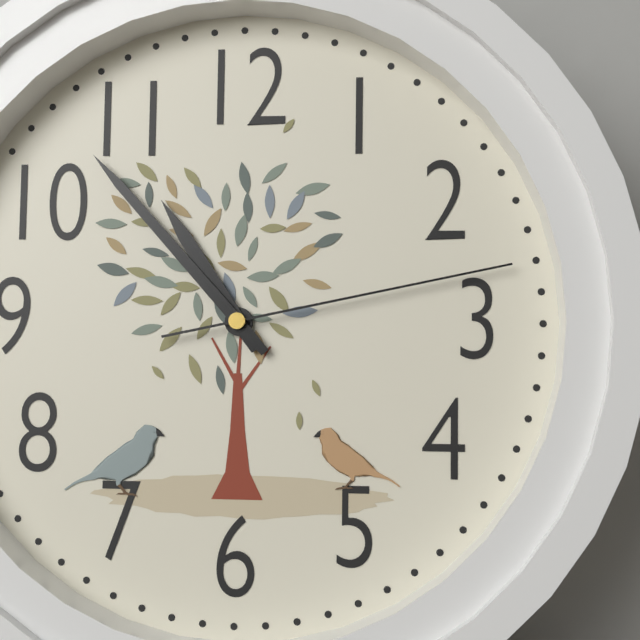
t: 10:53:13
